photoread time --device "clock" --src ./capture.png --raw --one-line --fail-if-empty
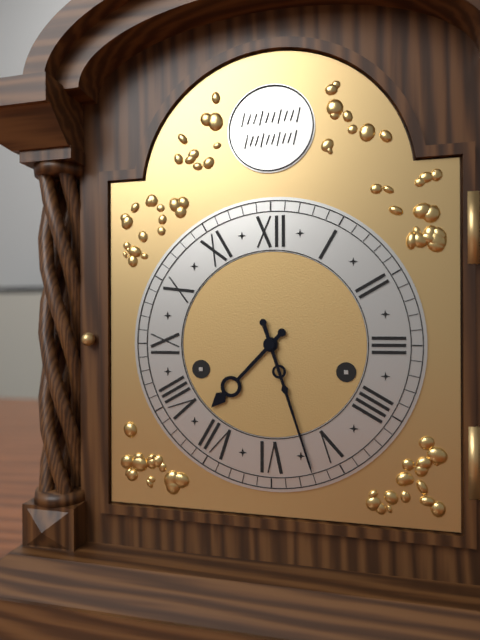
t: 7:27
